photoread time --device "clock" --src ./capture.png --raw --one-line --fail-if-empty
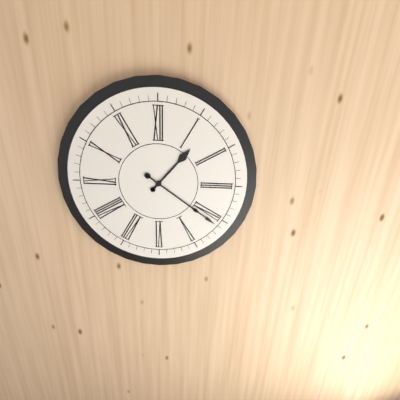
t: 1:21
